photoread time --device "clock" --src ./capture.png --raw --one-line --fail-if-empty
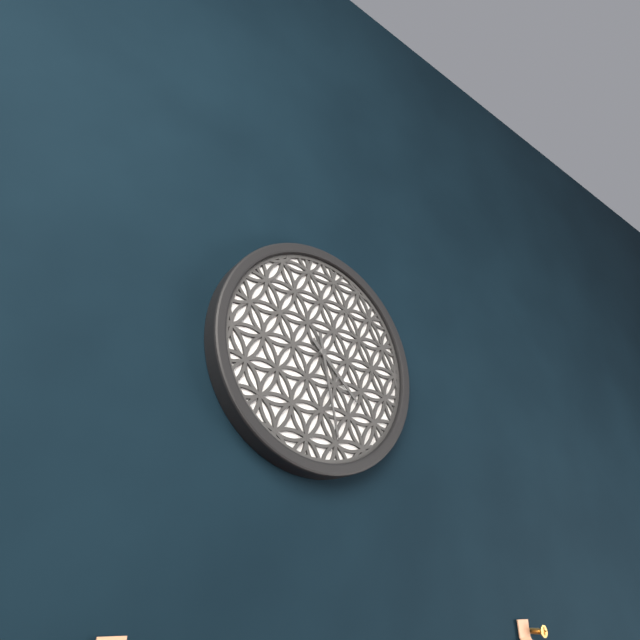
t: 4:28
